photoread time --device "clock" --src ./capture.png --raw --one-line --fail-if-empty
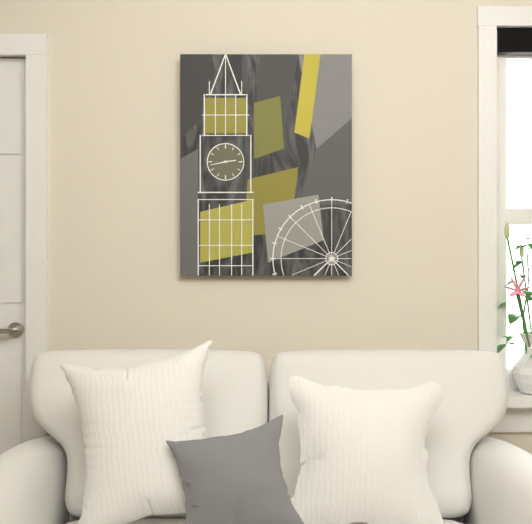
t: 2:43
